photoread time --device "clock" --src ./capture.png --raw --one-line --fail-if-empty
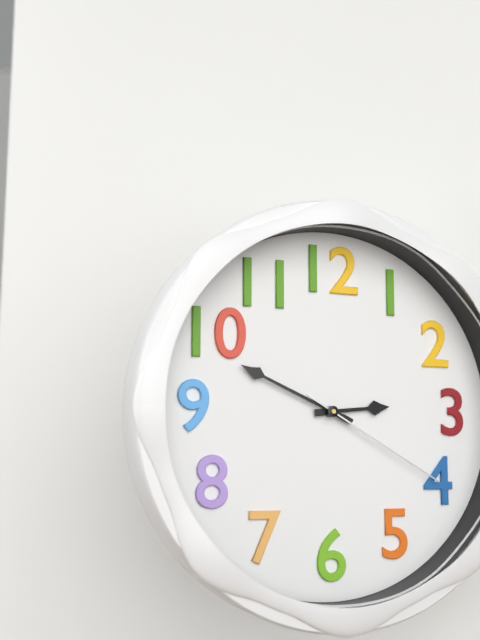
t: 2:49:20
